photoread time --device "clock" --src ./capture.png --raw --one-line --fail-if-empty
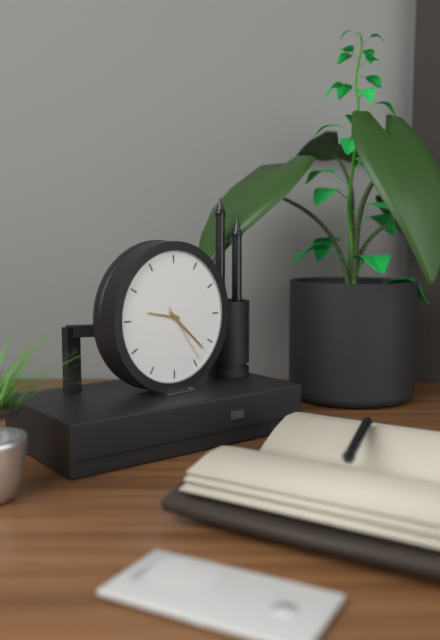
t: 9:22:24
